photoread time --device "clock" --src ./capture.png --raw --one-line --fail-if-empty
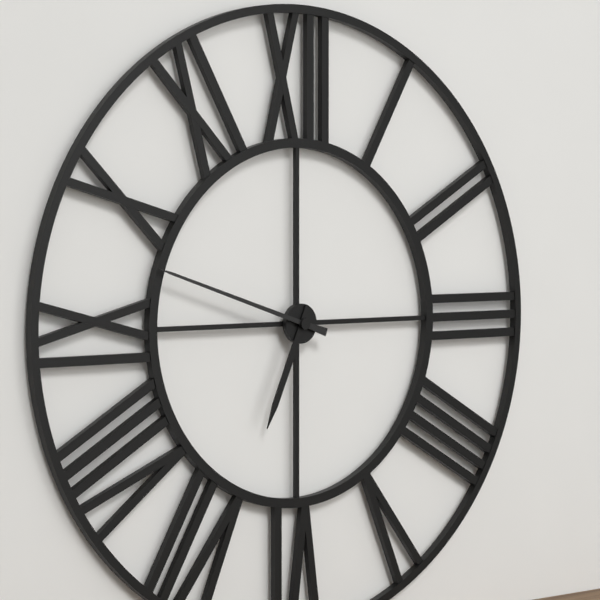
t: 6:48
